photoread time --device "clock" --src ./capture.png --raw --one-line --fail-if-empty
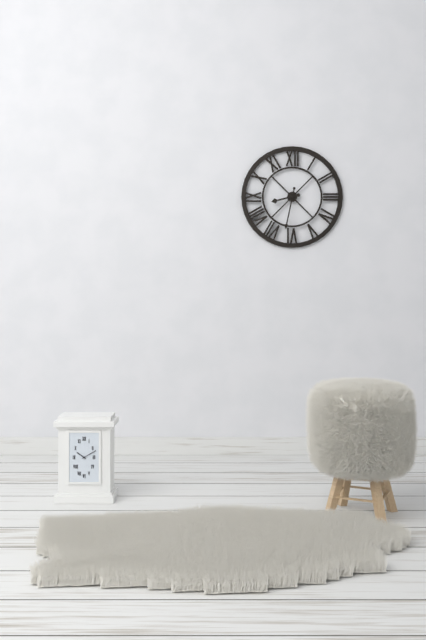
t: 8:32
